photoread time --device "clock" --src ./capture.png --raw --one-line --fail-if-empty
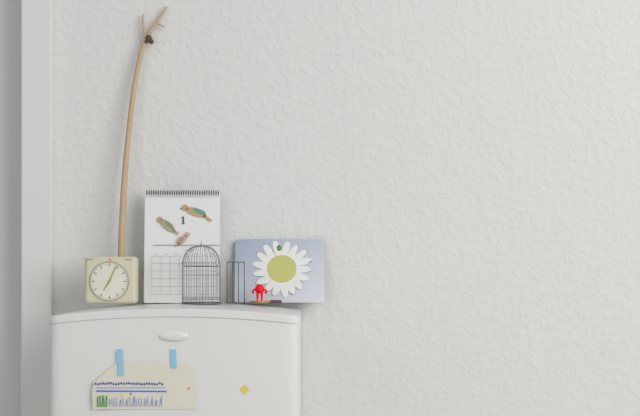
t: 7:04
